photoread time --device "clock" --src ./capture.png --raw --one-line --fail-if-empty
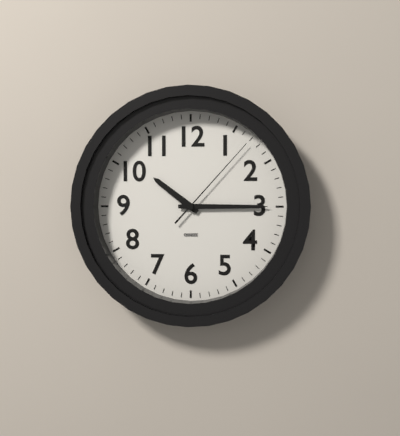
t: 10:15:07
